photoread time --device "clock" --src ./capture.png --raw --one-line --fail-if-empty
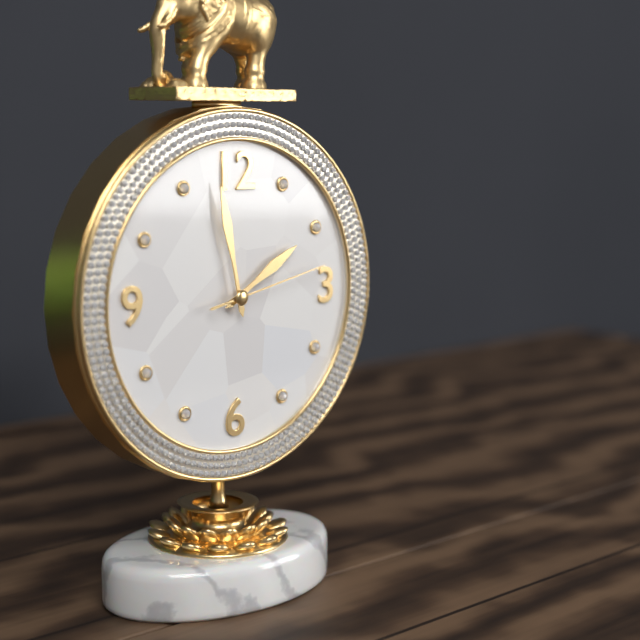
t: 1:58:13
